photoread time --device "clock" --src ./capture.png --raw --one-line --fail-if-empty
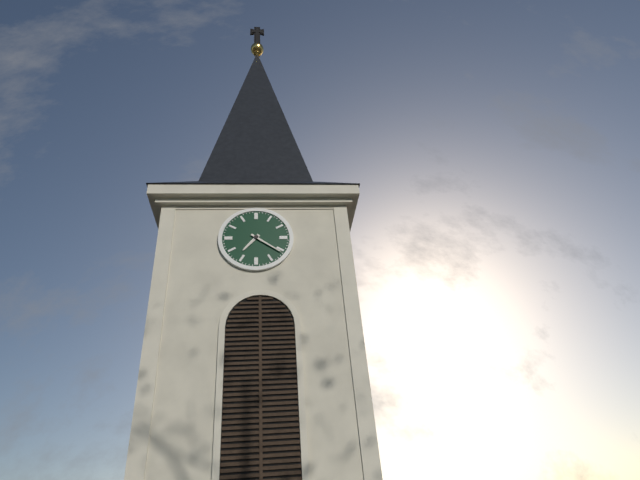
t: 7:21
